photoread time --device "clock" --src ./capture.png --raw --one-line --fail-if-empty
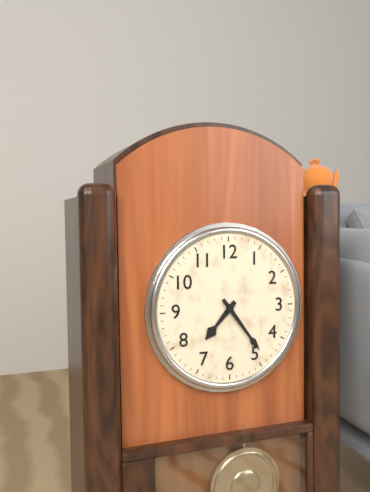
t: 7:24
